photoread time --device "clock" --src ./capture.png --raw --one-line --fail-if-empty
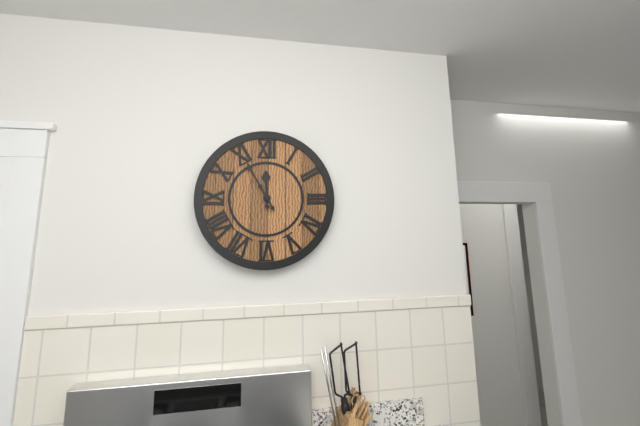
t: 11:55
